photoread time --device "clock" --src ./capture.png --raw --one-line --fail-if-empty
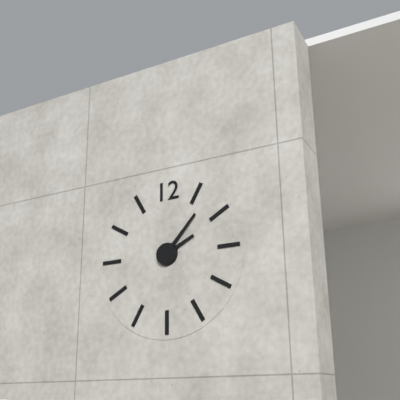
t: 2:07
